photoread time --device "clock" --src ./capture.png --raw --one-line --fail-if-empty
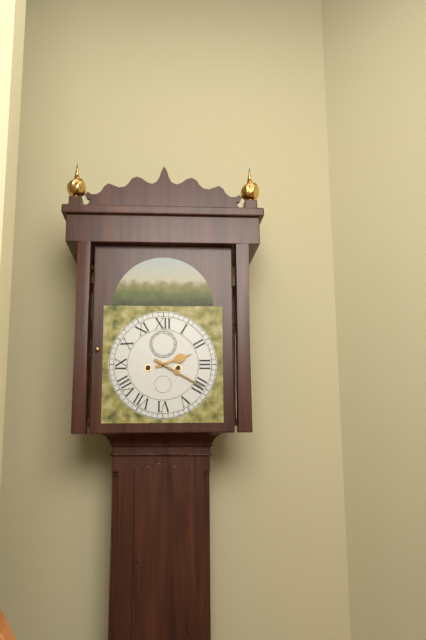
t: 2:20
